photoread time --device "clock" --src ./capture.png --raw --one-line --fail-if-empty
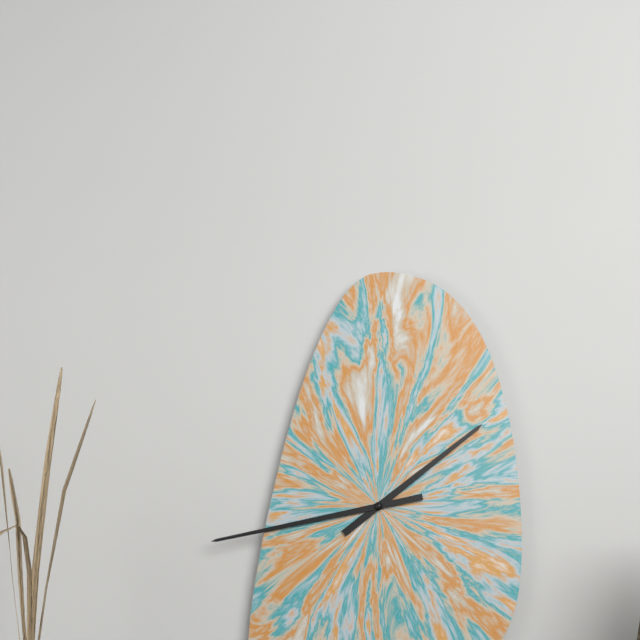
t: 1:43
